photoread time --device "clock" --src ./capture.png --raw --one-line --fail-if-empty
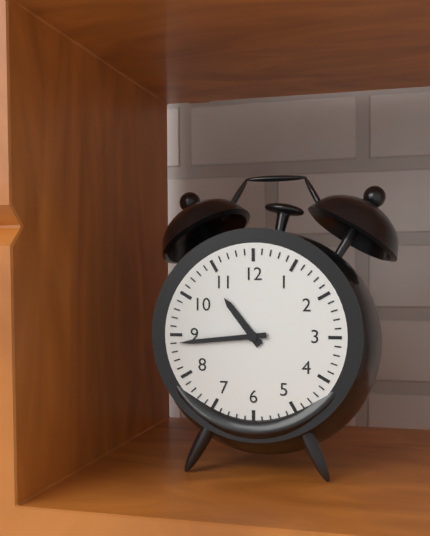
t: 10:44
